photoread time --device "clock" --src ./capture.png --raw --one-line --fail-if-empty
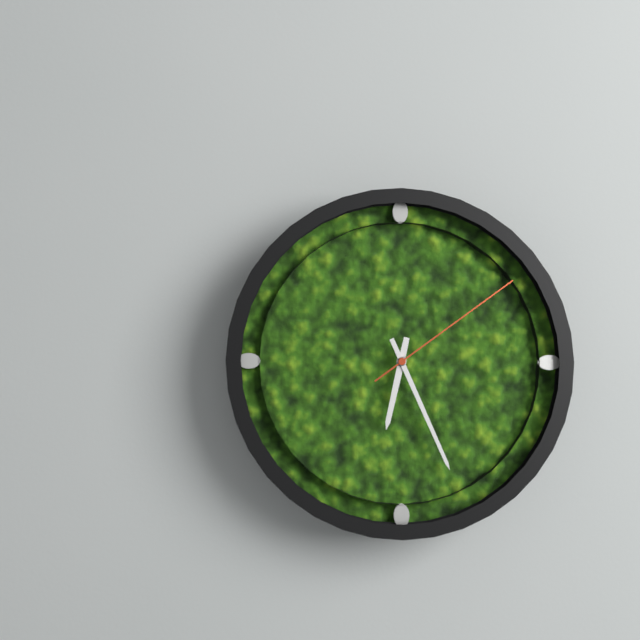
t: 6:26:09
